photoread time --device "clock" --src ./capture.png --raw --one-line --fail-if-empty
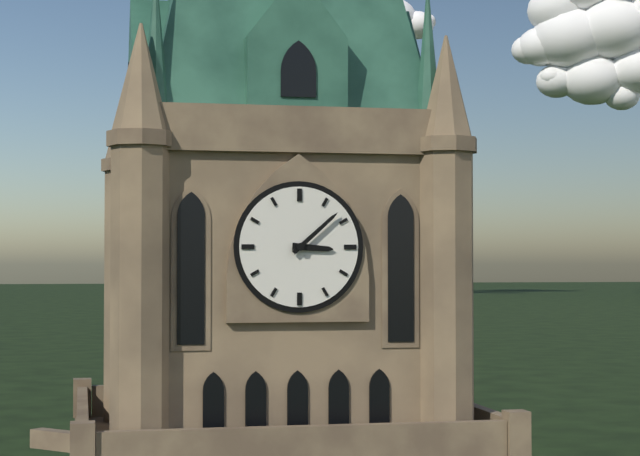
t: 3:08
